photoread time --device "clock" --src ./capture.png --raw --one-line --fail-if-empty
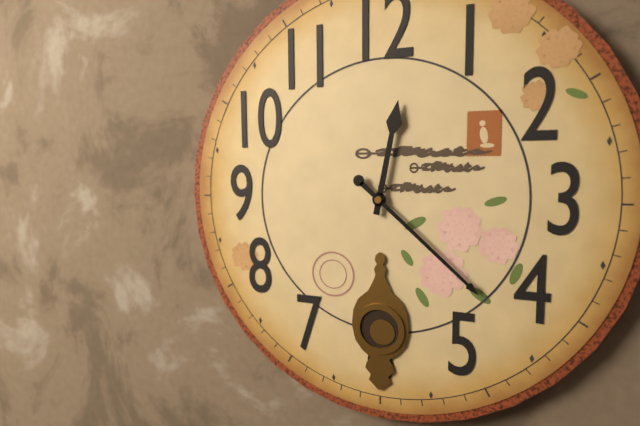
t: 12:22
